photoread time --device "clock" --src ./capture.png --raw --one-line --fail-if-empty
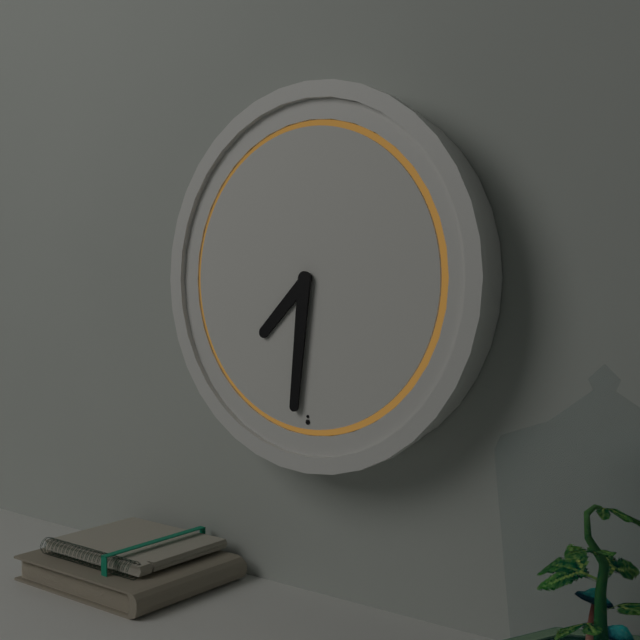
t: 7:31
